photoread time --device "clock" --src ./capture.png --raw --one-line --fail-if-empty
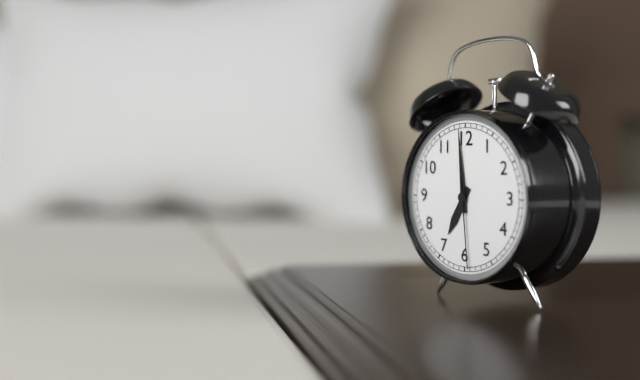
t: 6:59:29
